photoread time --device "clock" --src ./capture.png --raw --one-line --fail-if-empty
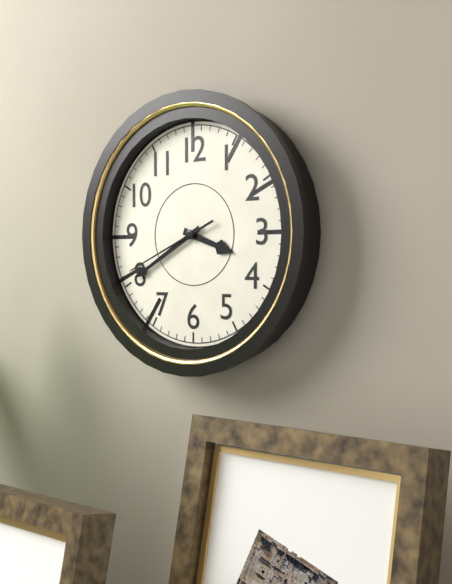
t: 3:40:41
